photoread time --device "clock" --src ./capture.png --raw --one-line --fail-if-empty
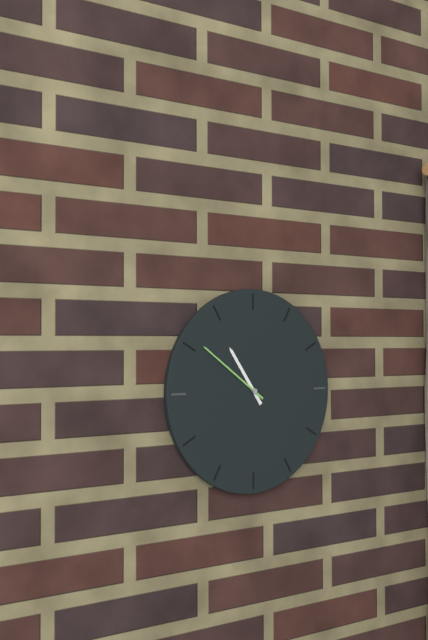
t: 10:51
